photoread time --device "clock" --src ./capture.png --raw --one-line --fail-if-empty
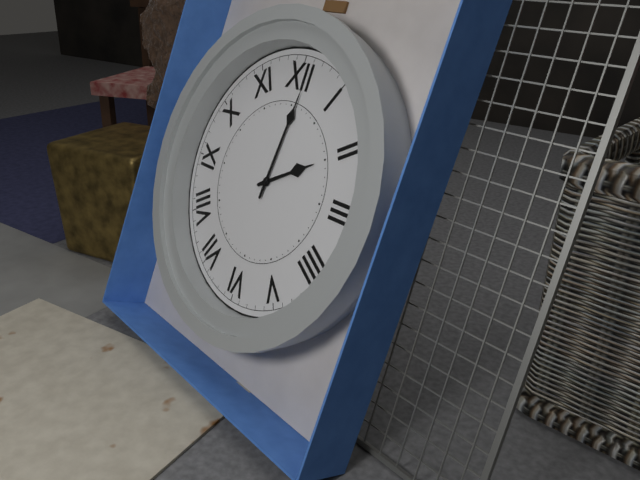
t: 2:01
